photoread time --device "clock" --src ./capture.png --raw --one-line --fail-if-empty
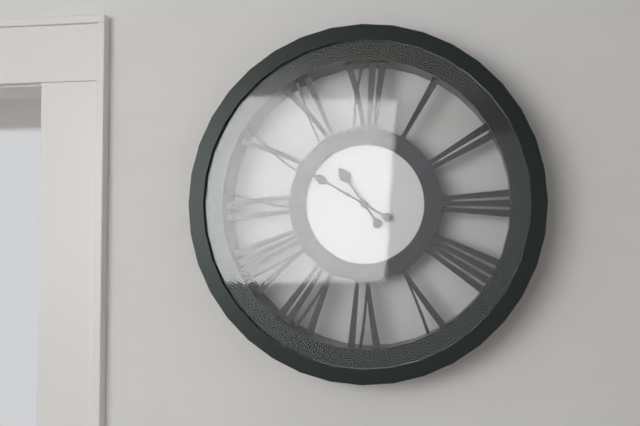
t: 10:50
